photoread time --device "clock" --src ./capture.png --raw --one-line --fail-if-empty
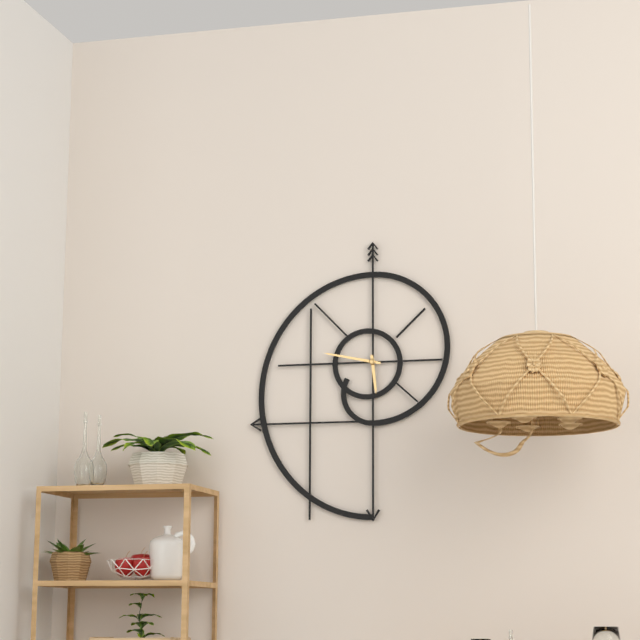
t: 5:47
